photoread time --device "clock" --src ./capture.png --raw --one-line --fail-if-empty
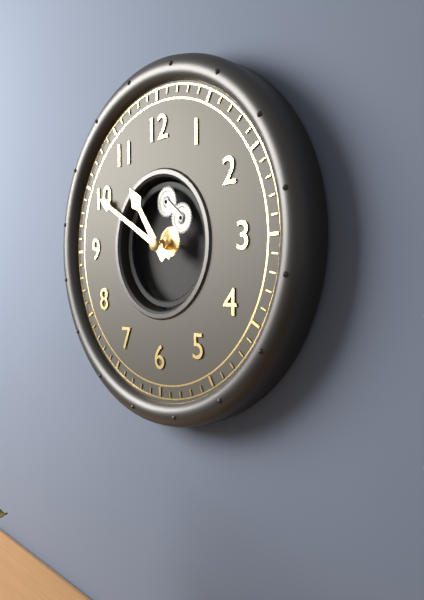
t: 10:50
